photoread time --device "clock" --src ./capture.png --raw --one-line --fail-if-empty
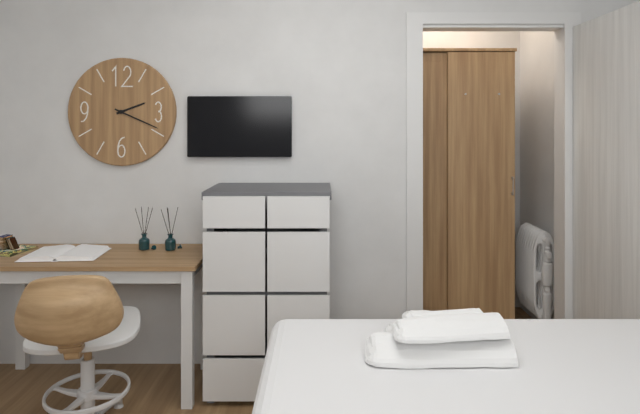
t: 2:19
